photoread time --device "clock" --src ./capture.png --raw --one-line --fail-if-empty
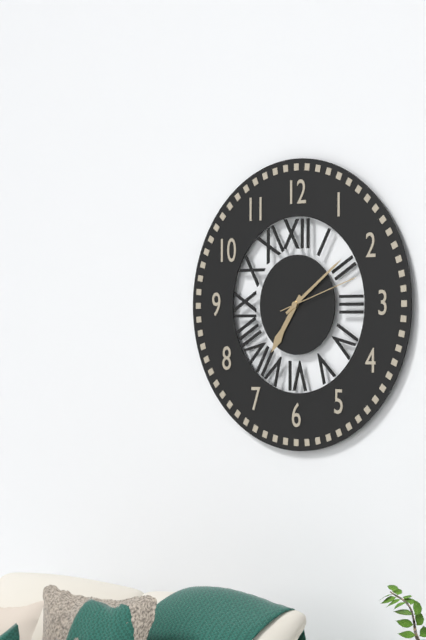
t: 7:09:12
